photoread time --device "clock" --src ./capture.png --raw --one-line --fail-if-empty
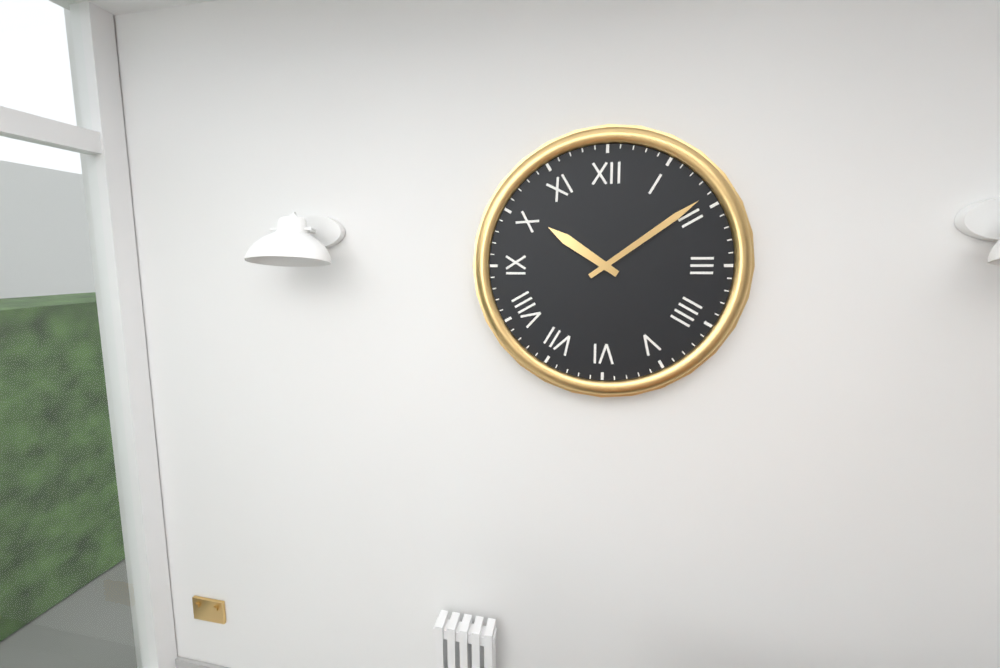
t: 10:09
